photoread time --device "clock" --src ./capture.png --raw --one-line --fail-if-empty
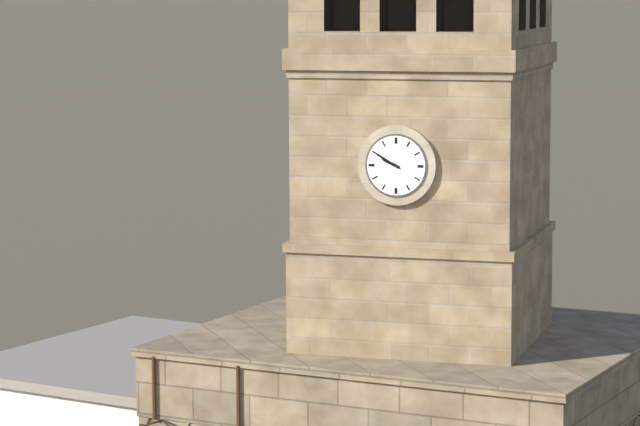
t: 9:50
